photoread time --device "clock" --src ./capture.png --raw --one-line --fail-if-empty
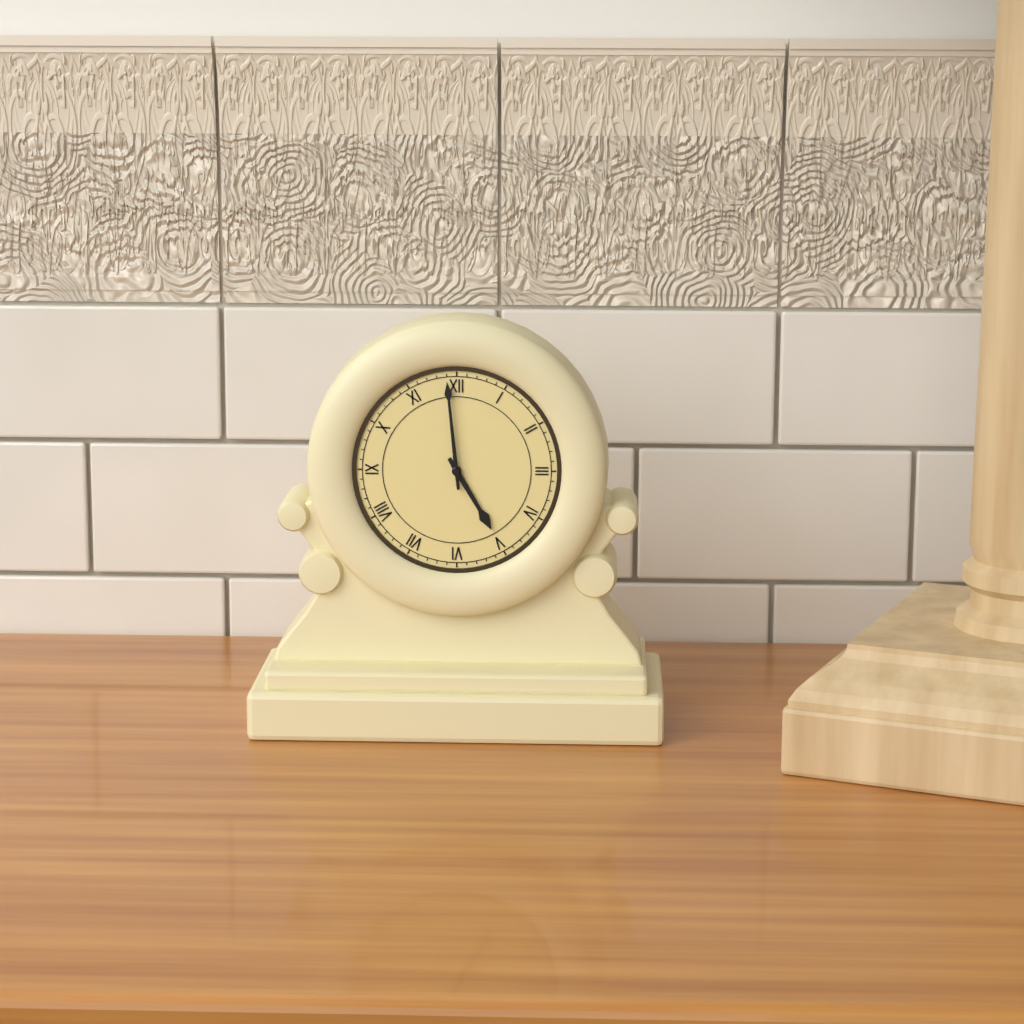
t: 4:59
